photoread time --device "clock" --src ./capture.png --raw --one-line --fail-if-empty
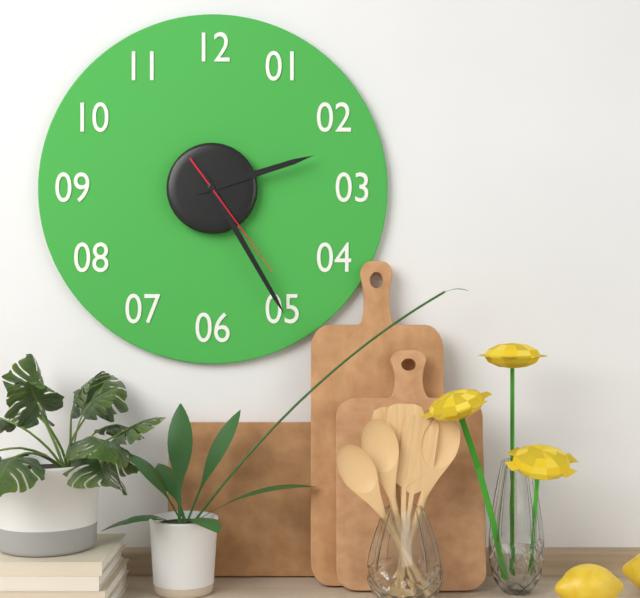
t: 2:25:24
